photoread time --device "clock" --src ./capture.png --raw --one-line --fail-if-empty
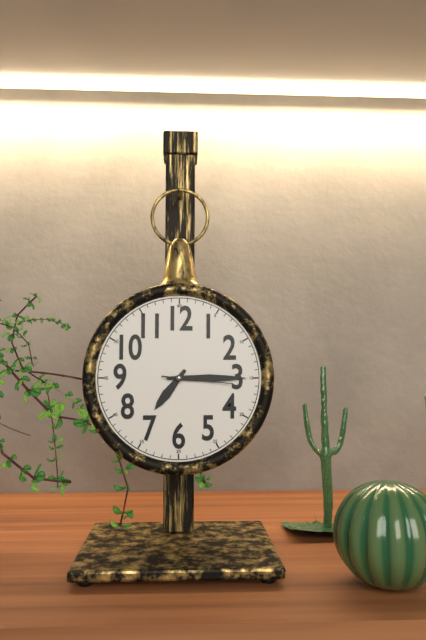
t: 7:15:16
